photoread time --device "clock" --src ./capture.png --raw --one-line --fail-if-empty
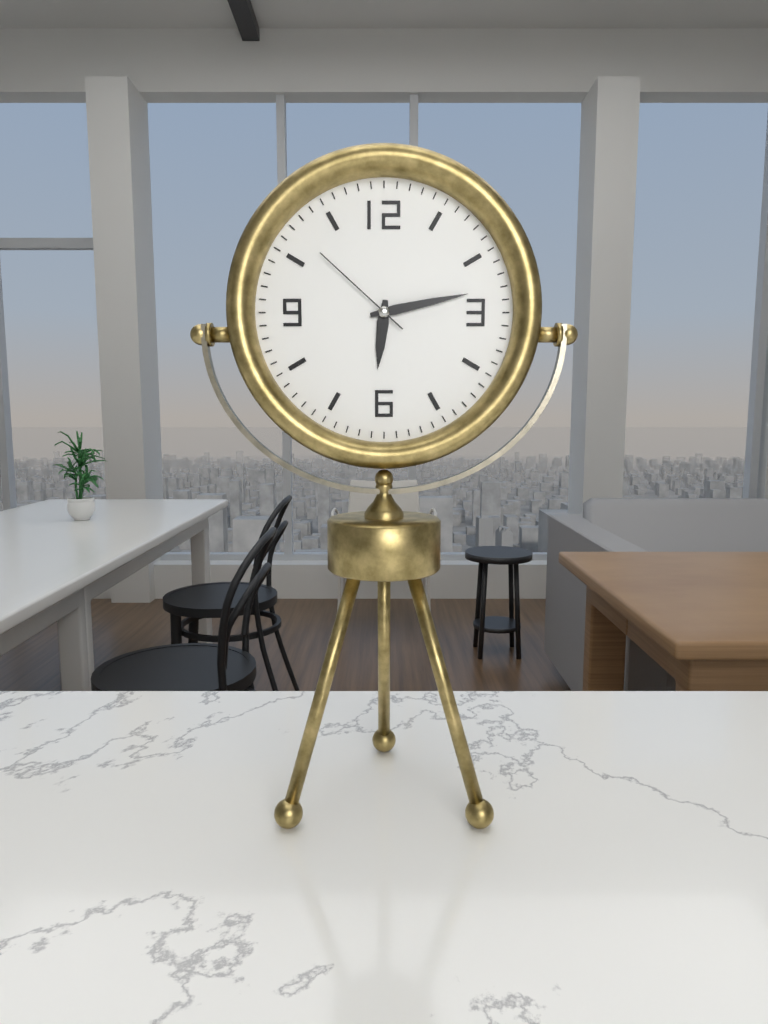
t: 6:13:52
